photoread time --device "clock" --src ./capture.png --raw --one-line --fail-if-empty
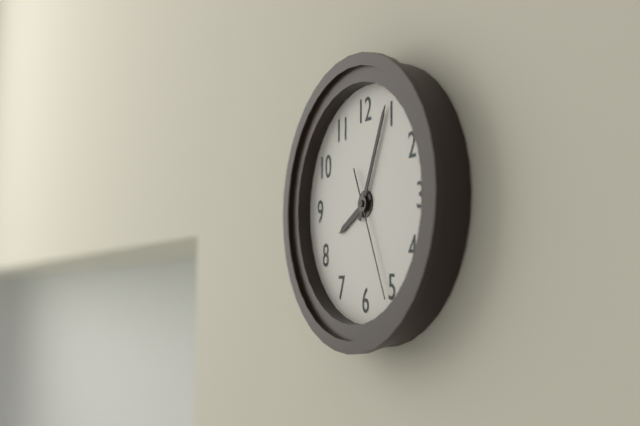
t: 8:04:26
